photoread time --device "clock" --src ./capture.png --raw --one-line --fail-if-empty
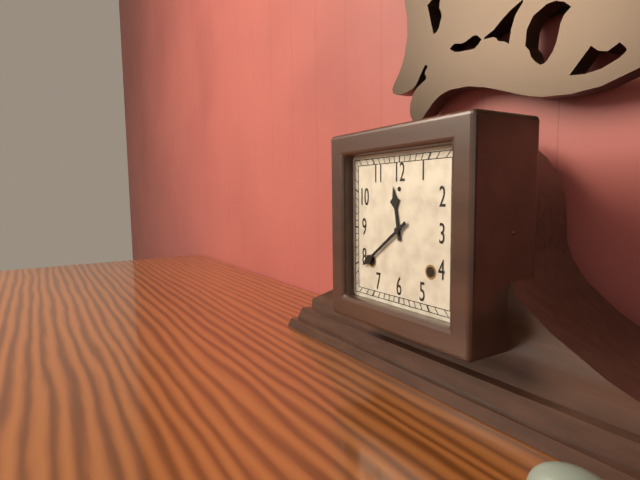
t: 11:39
